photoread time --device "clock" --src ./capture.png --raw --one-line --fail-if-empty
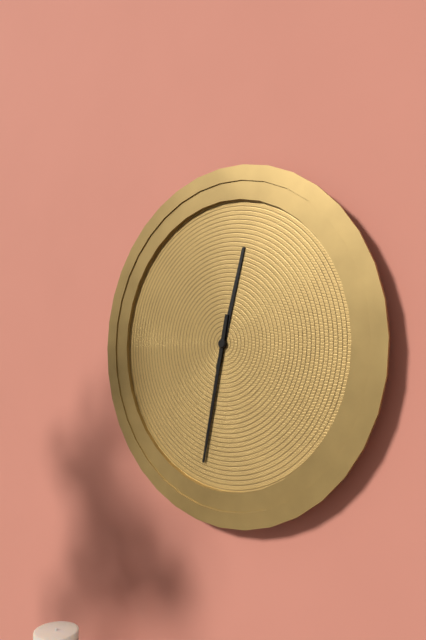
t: 12:32
